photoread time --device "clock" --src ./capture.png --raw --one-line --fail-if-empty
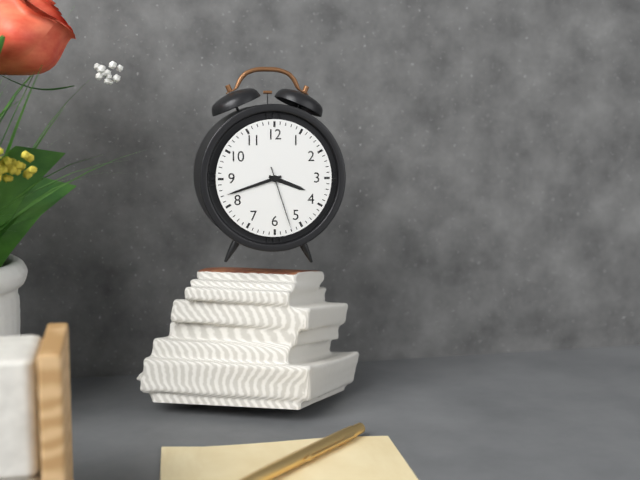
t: 3:42:27
